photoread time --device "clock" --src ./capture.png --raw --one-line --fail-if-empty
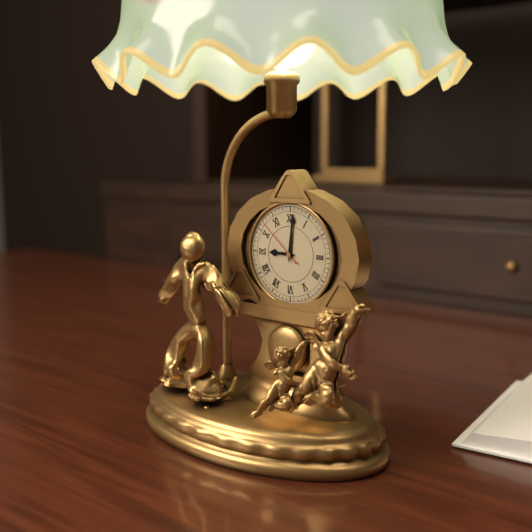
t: 9:01:52
